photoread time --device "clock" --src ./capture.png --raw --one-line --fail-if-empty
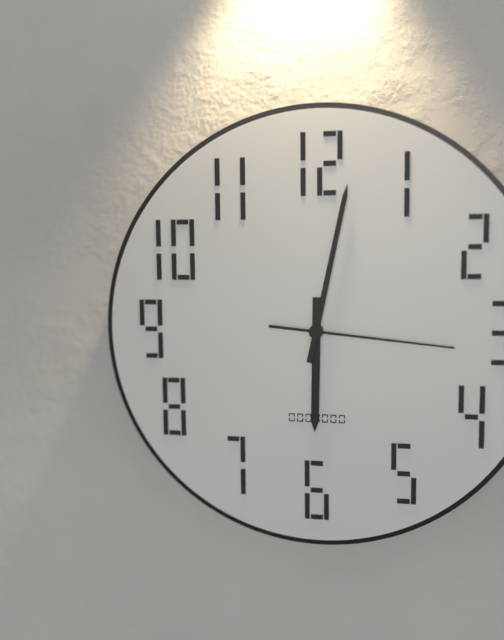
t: 6:02:16
